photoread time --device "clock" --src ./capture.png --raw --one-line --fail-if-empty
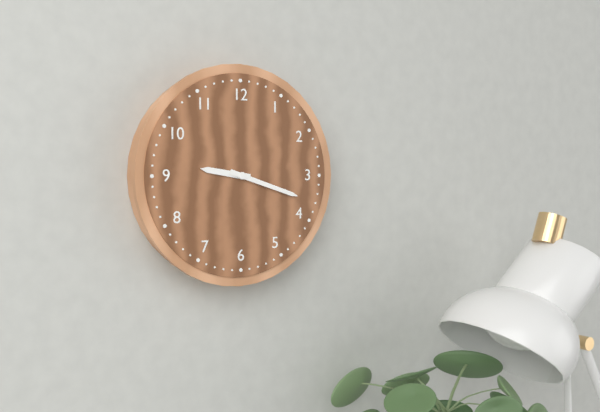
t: 9:18
